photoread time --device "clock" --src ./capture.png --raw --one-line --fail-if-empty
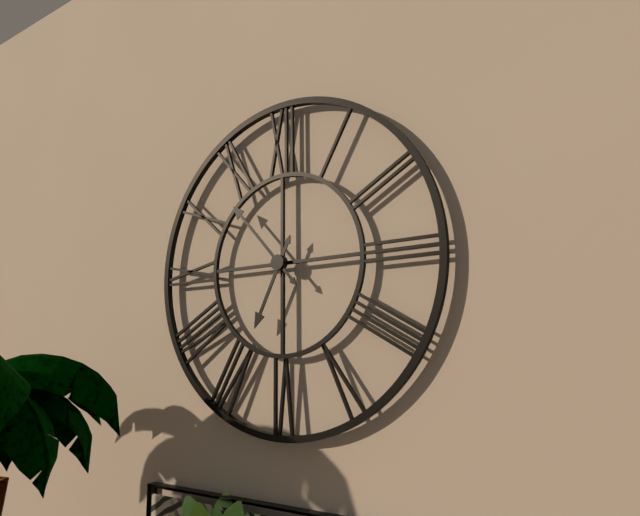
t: 6:53
